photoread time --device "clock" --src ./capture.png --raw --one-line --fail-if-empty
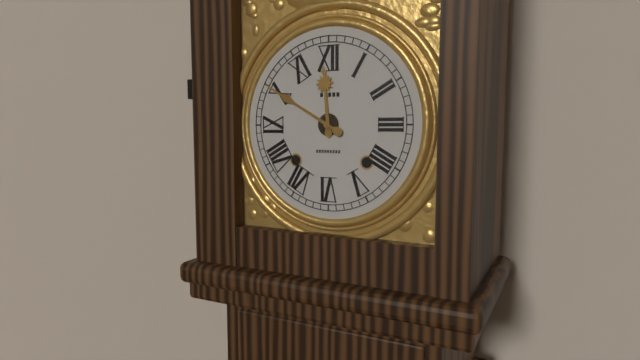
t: 11:50
